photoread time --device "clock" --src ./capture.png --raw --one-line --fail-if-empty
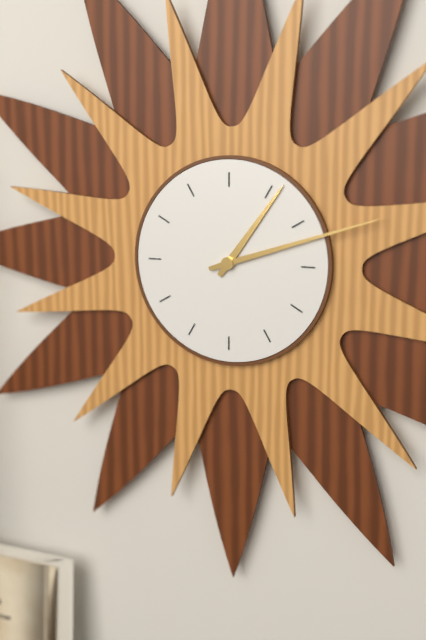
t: 1:12
